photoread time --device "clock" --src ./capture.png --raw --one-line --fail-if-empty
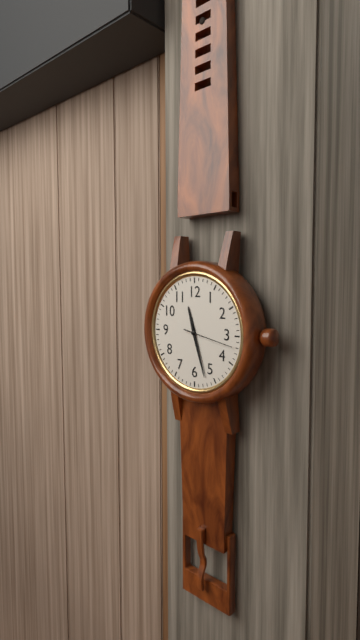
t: 11:27:17
